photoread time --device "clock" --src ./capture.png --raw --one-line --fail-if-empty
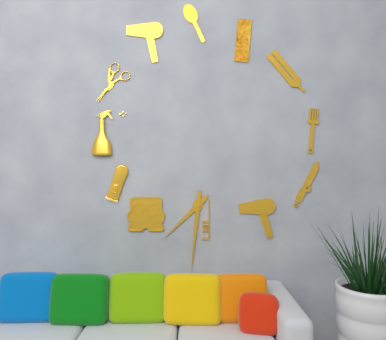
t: 7:31
